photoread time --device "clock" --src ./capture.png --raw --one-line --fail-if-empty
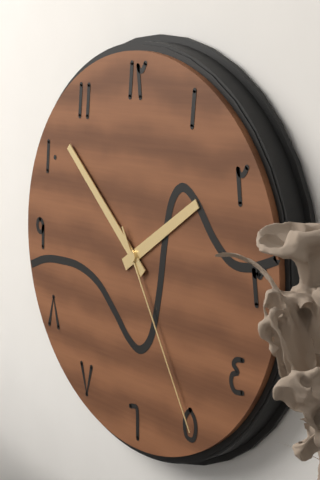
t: 1:52:25
